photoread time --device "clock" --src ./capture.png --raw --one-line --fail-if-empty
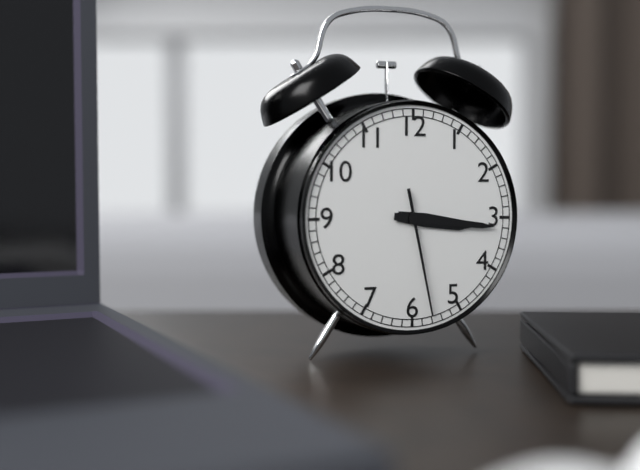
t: 3:16:28
